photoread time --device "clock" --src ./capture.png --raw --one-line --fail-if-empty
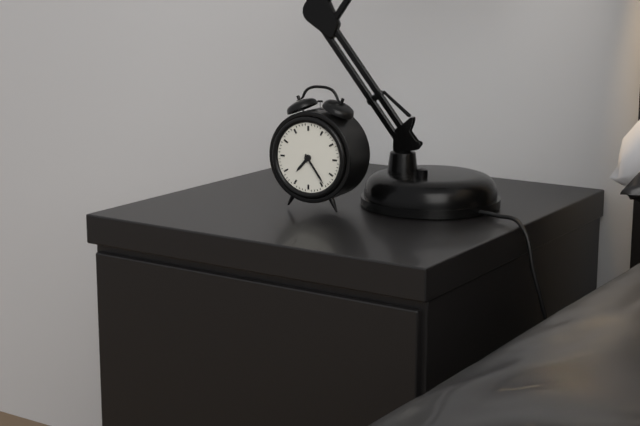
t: 7:24
